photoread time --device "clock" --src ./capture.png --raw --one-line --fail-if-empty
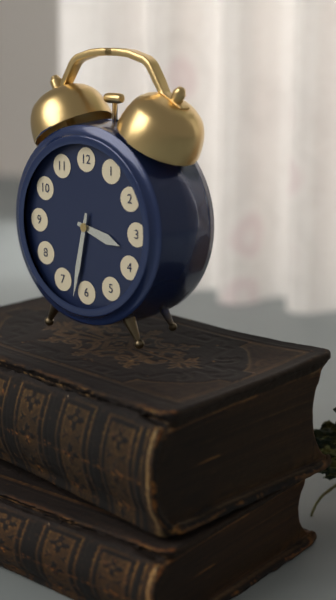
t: 3:32
